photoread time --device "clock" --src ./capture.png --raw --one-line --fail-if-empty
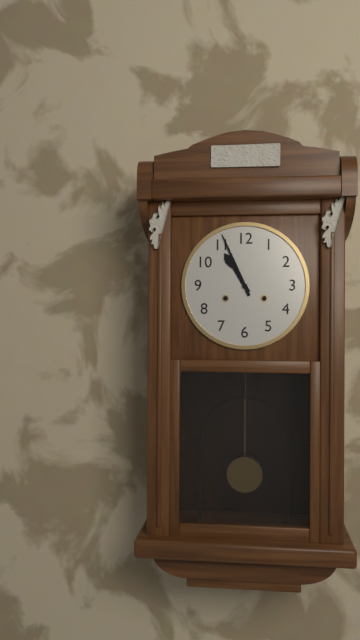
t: 10:56
